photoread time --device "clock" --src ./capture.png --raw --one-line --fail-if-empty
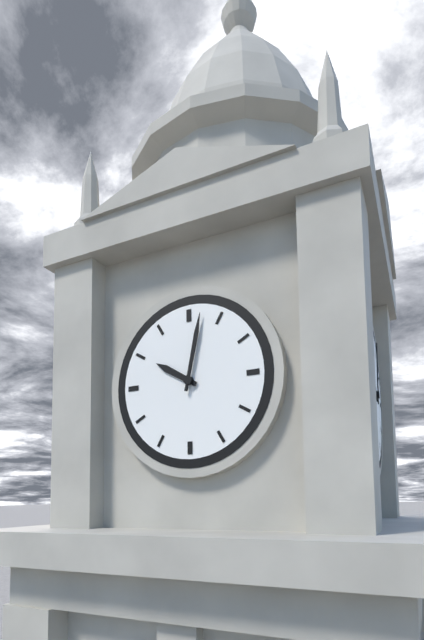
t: 10:02
